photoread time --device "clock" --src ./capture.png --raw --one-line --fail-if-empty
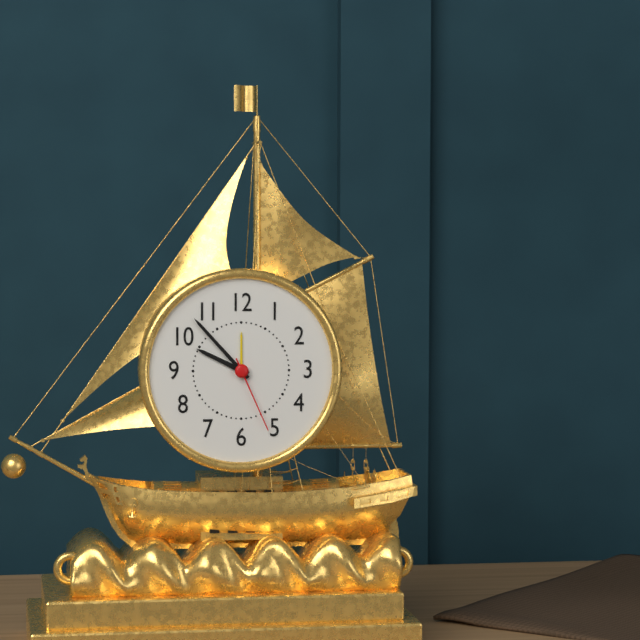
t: 9:53:26
